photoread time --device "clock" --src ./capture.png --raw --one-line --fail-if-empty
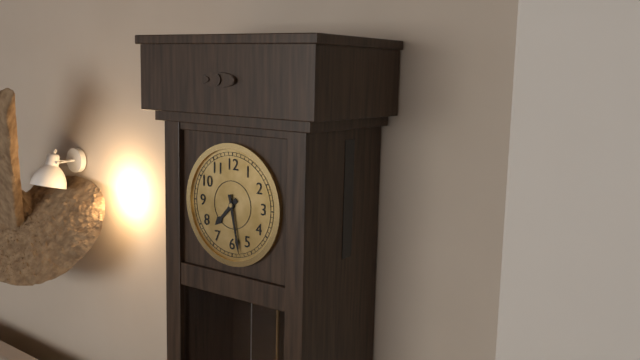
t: 7:28
